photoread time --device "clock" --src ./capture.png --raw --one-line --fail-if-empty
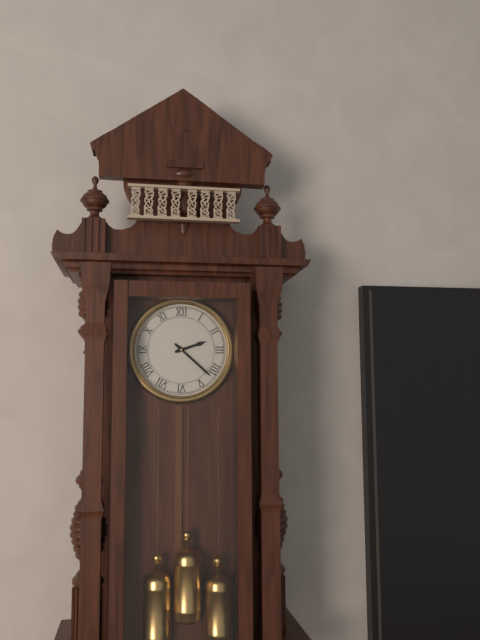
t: 2:22
